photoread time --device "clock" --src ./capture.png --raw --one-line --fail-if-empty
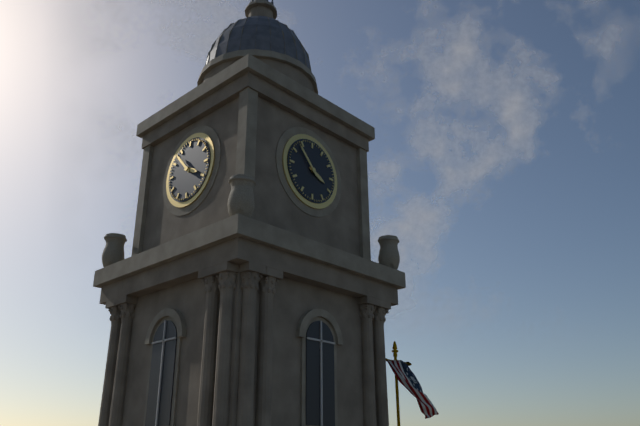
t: 3:53
